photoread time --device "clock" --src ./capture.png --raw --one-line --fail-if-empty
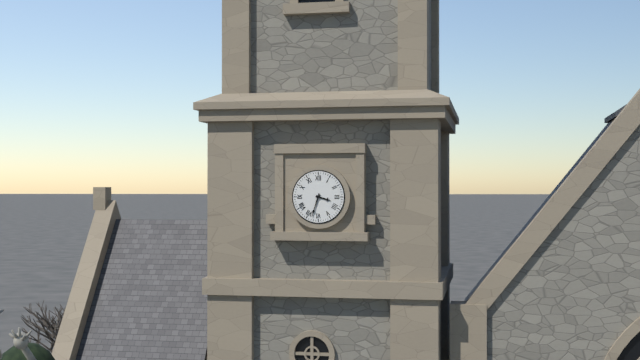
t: 3:33
